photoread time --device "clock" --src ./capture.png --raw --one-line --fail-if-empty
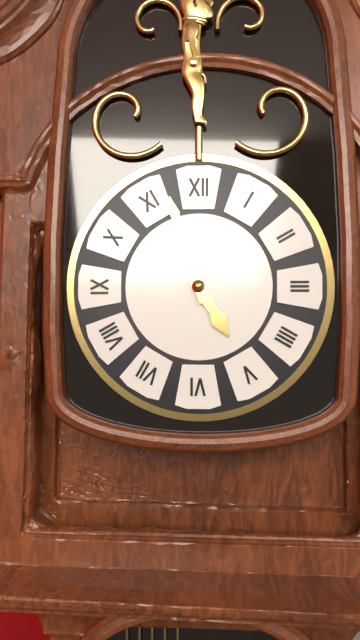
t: 4:57
